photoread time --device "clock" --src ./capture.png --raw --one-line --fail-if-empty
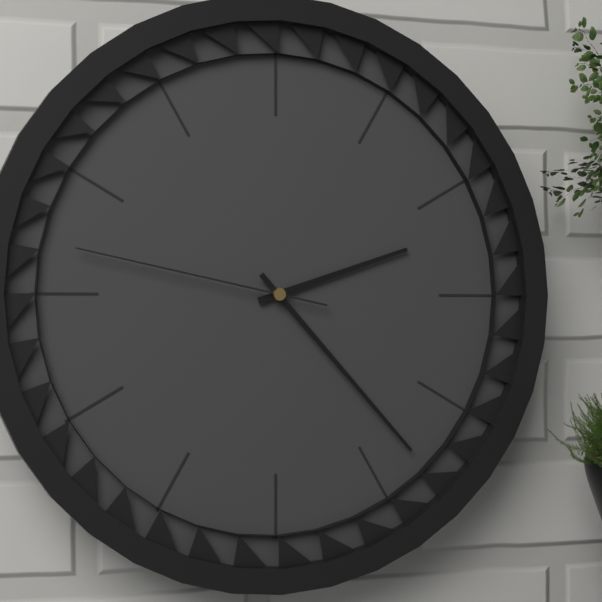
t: 2:23:47
